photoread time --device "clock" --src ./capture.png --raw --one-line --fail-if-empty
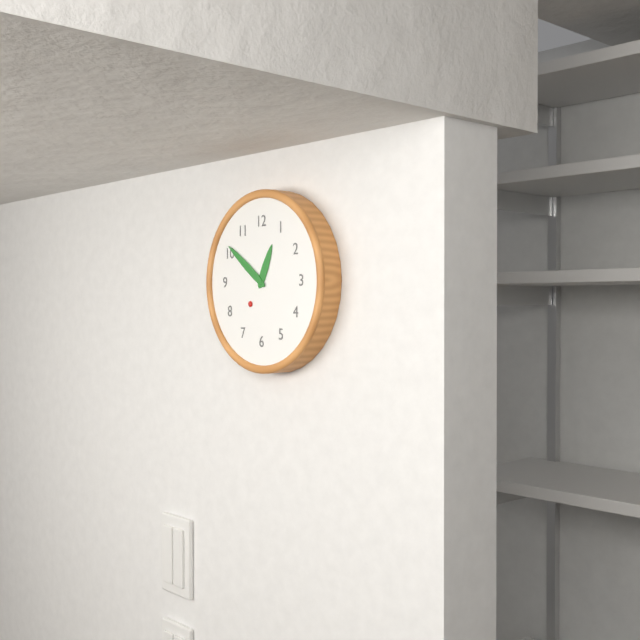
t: 12:51
